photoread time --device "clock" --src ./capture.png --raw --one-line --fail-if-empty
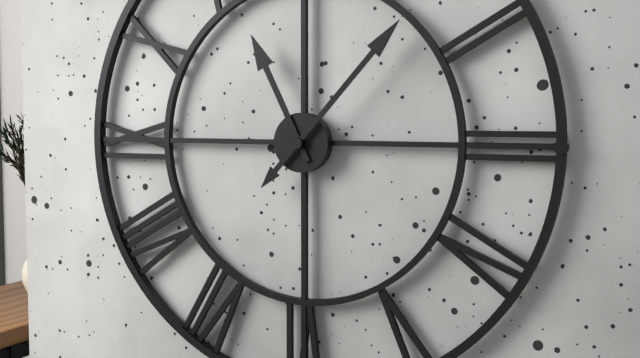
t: 11:07
